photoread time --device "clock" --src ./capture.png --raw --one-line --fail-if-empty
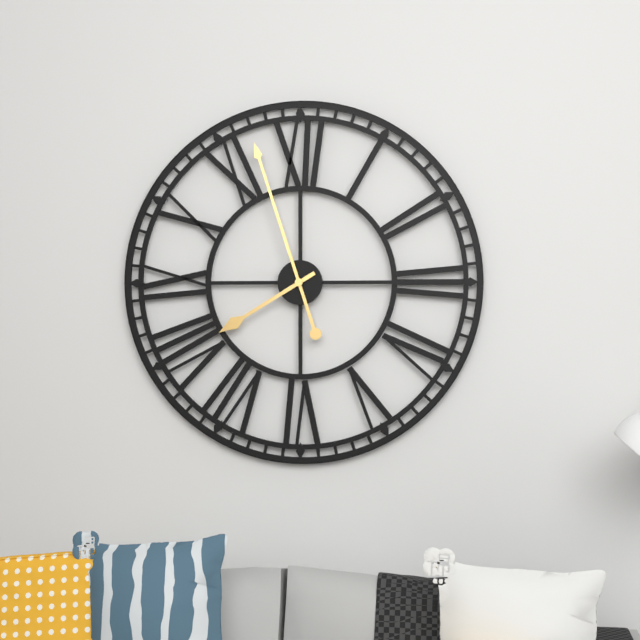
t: 7:57
